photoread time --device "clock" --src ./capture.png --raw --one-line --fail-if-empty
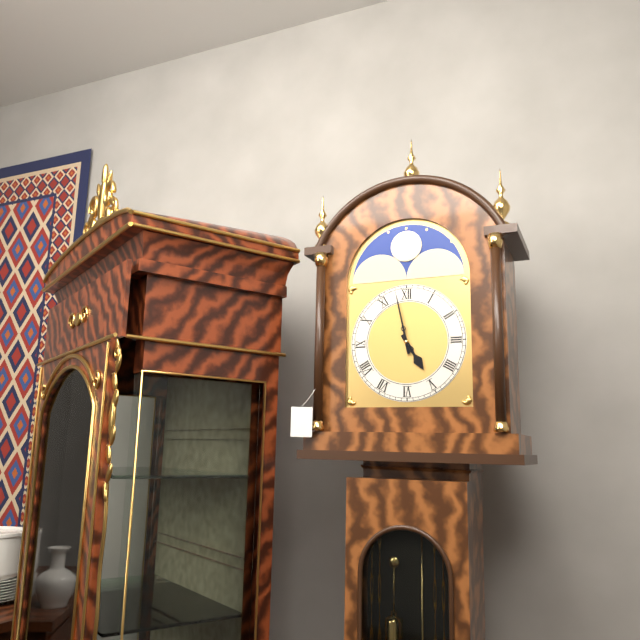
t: 4:58
